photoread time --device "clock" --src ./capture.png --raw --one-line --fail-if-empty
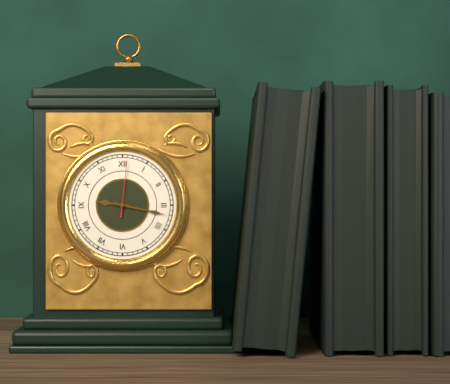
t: 9:17:01
